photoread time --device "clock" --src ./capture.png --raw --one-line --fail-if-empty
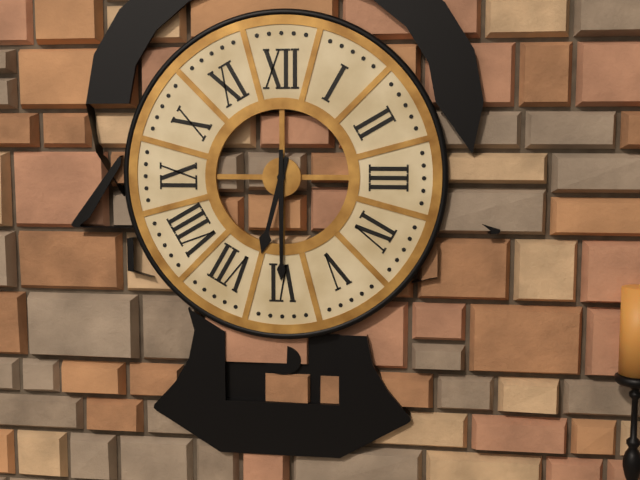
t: 6:30
